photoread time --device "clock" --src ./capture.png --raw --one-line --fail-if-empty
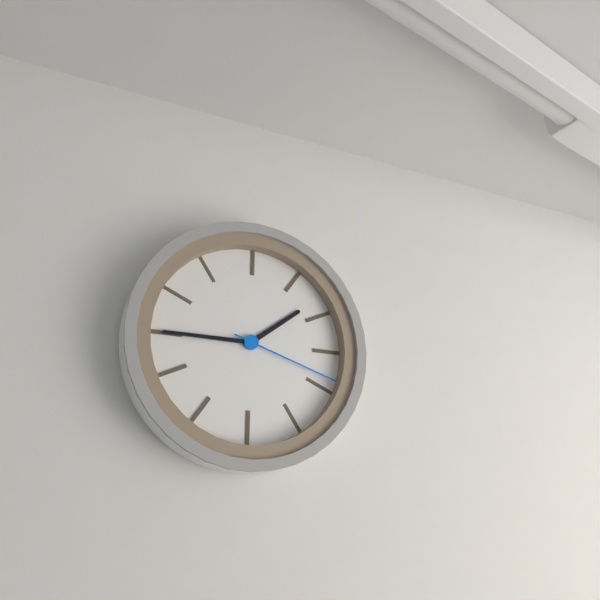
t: 1:45:18
